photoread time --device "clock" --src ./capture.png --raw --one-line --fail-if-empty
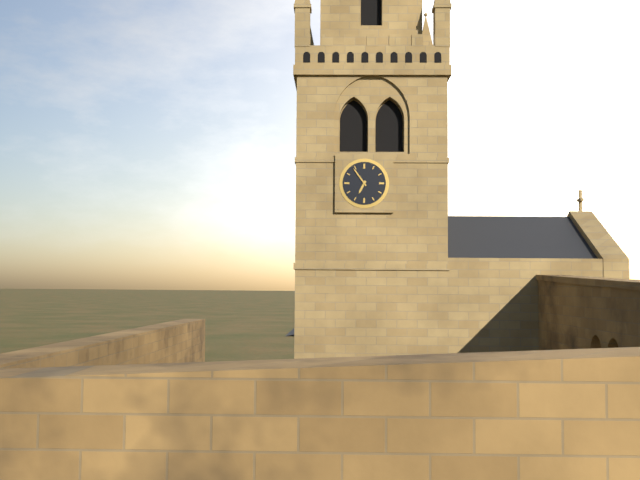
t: 6:54
